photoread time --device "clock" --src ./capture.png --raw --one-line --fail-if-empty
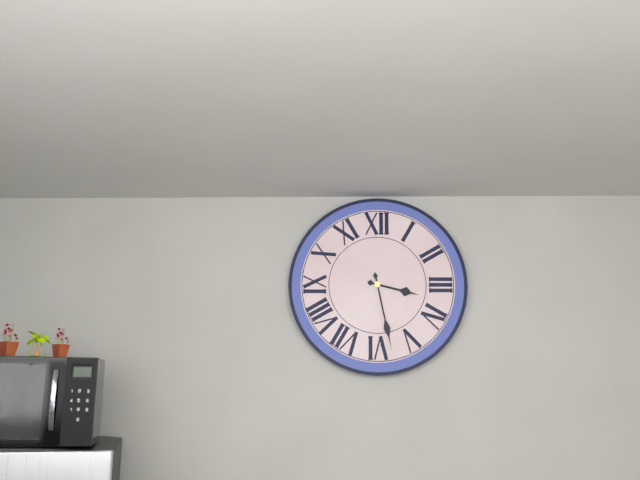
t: 3:28
